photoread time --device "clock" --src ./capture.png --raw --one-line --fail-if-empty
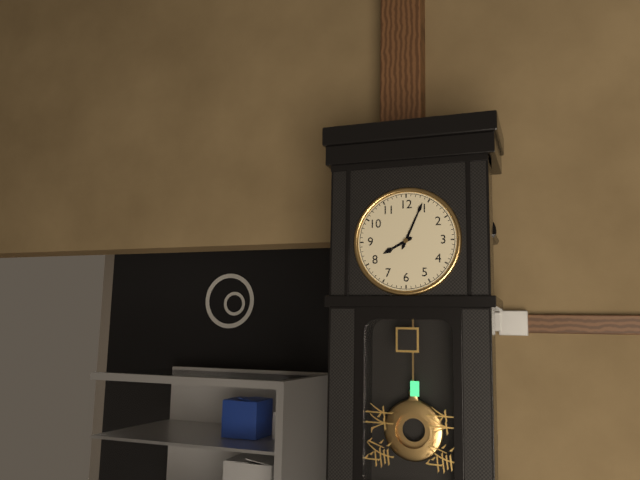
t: 8:04
